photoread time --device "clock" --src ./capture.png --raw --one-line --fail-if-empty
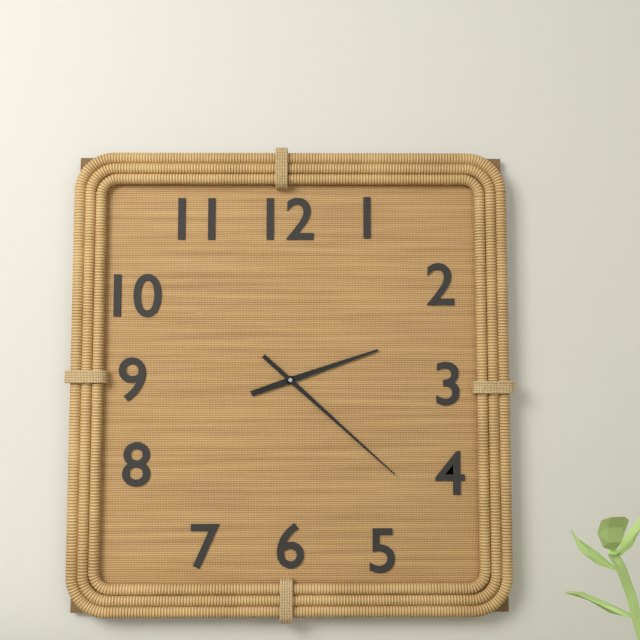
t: 2:22
